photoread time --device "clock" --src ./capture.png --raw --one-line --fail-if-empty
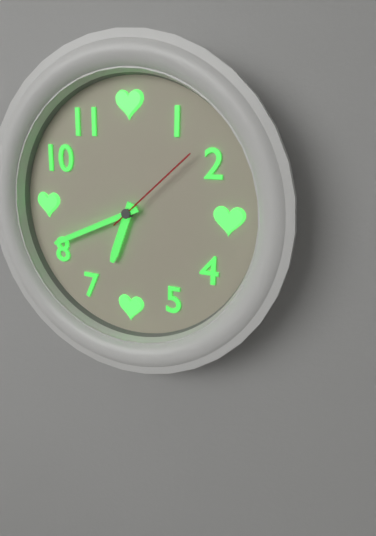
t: 6:41:08
